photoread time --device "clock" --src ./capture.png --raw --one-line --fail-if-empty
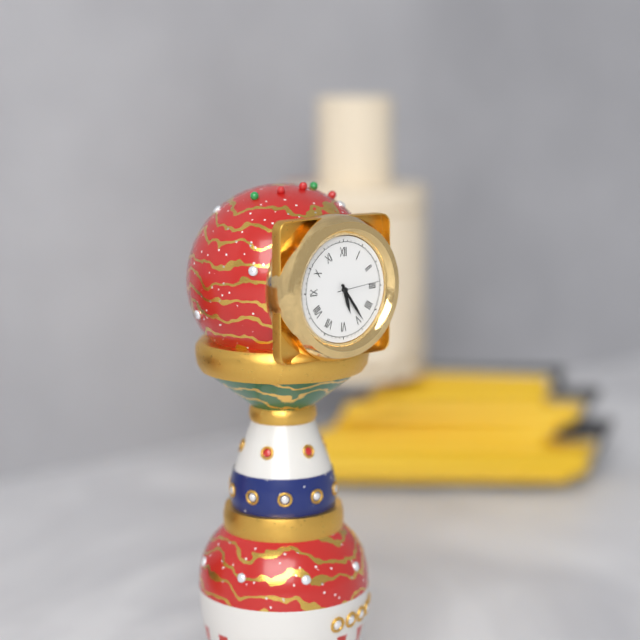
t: 5:24
